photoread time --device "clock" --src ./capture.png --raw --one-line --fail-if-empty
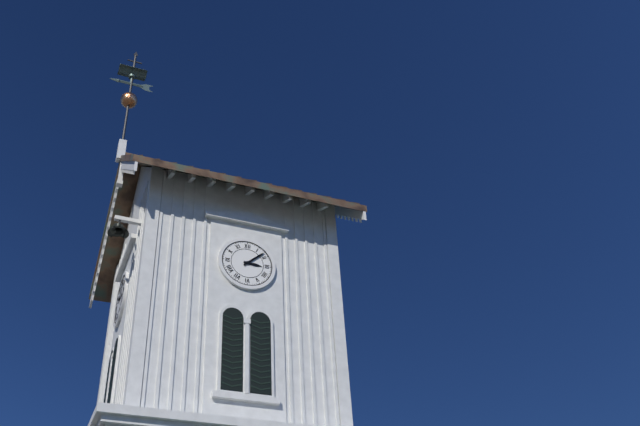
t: 3:08
